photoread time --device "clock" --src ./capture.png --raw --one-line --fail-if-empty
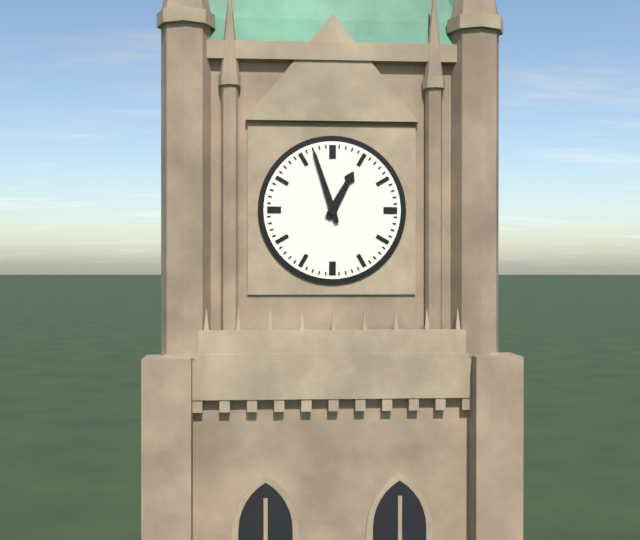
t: 12:57
